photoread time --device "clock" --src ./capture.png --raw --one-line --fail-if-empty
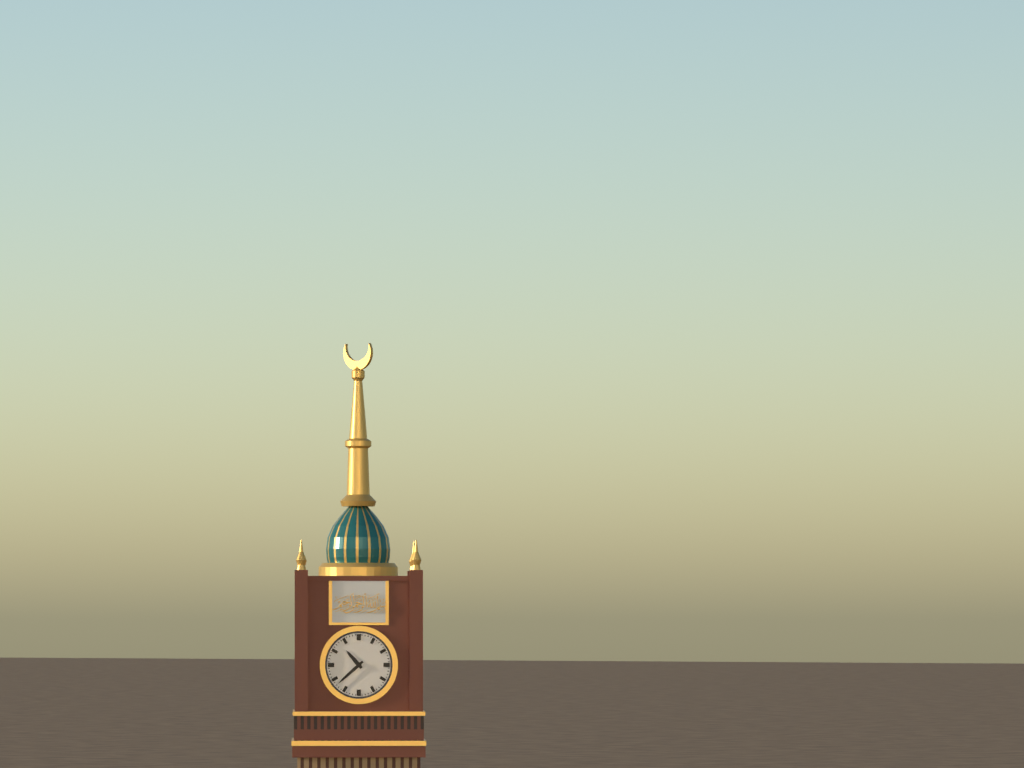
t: 10:38
